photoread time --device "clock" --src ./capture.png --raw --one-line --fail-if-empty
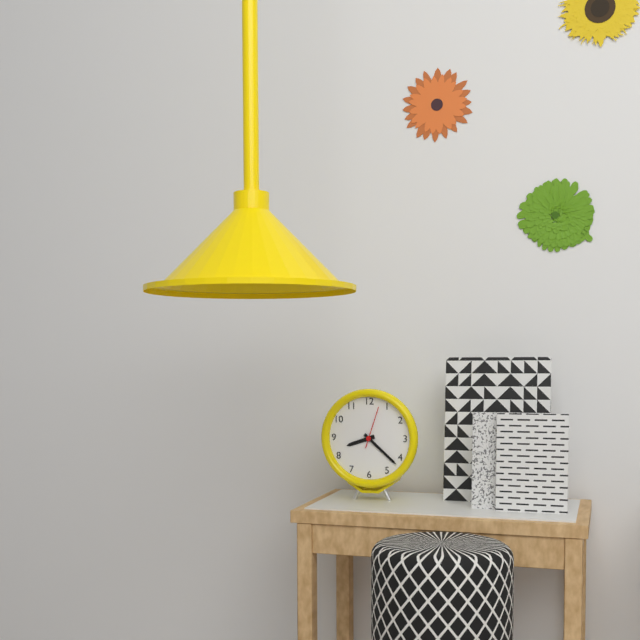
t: 8:22
